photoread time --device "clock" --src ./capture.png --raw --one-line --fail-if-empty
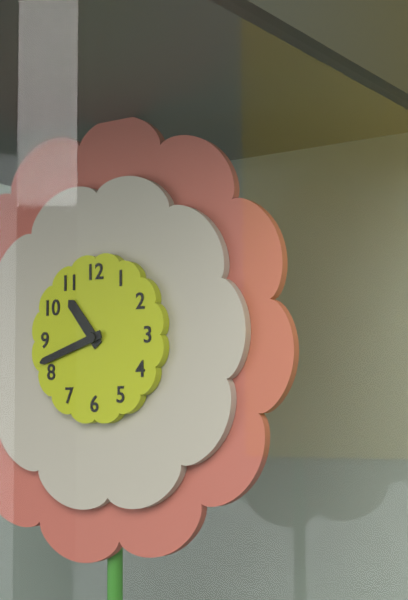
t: 10:42
